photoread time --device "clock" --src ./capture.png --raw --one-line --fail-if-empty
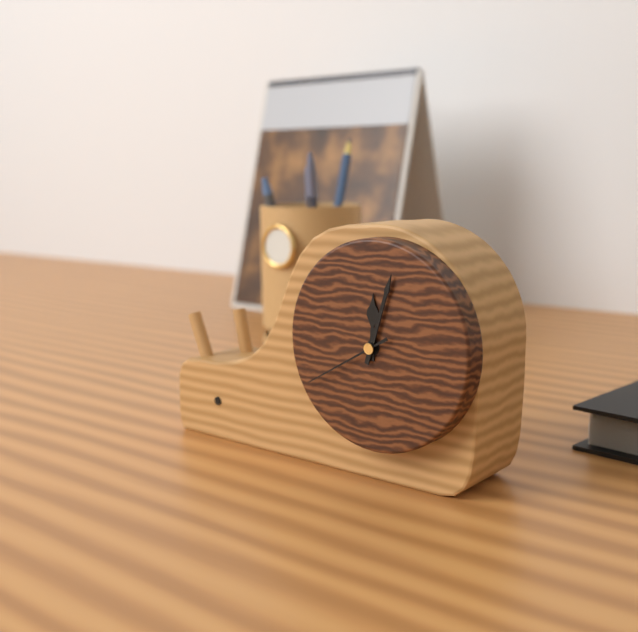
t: 12:03:40
